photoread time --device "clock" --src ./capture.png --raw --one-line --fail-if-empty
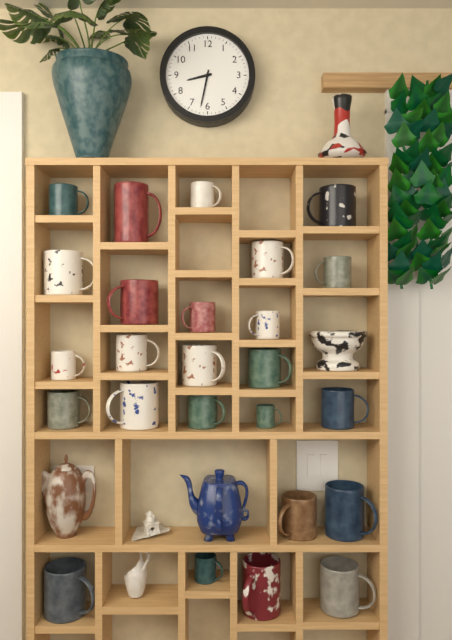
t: 8:32
